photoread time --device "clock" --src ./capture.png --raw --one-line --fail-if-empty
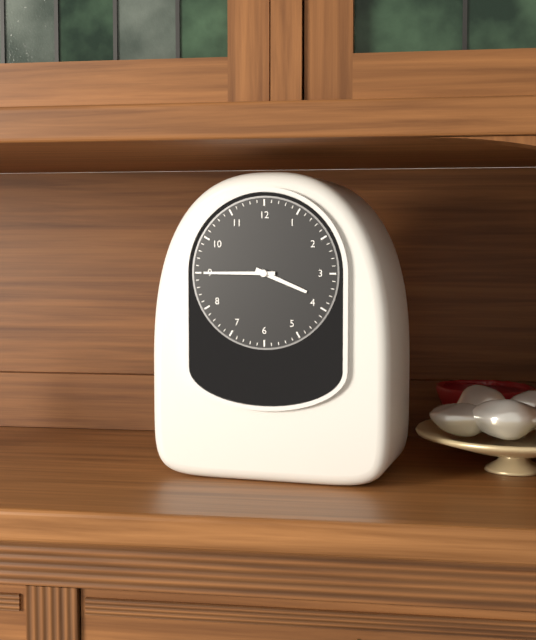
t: 3:45
